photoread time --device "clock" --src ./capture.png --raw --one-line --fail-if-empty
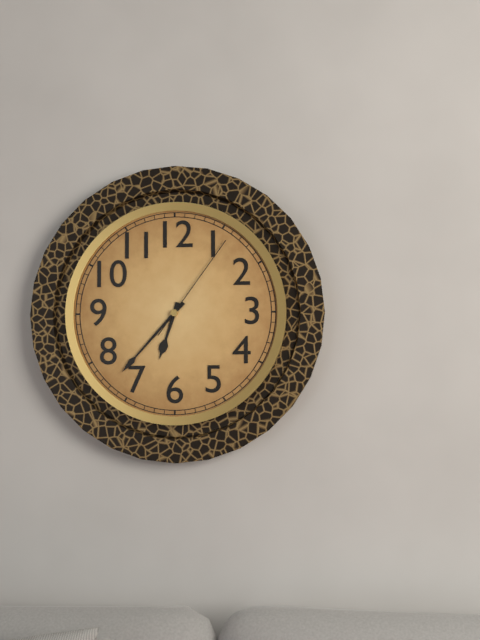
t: 6:37:06
